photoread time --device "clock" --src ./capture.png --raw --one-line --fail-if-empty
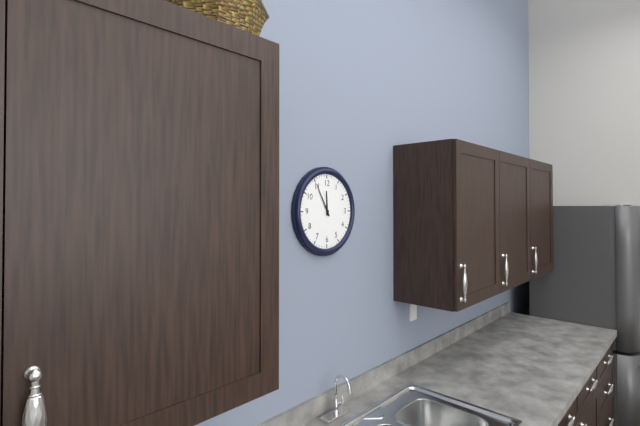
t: 11:55
